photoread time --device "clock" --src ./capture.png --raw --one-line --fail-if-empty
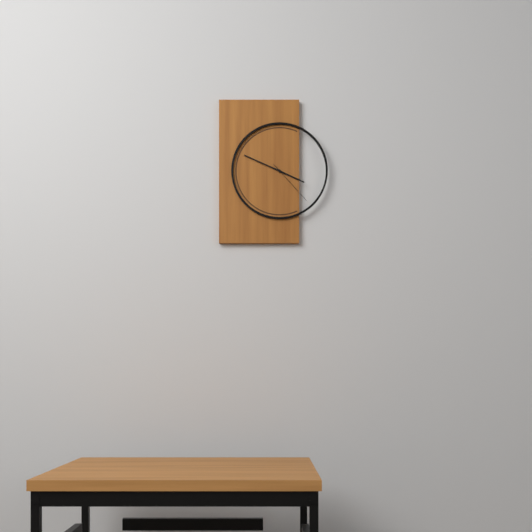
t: 3:49:23
